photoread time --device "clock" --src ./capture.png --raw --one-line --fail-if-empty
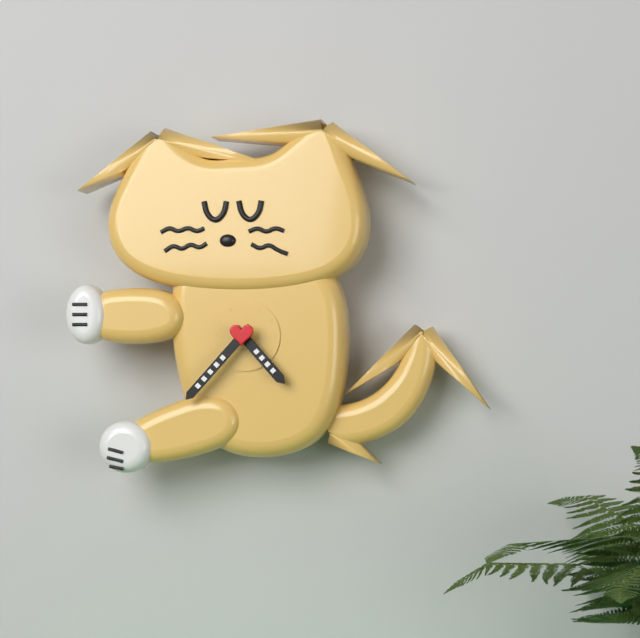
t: 4:37
